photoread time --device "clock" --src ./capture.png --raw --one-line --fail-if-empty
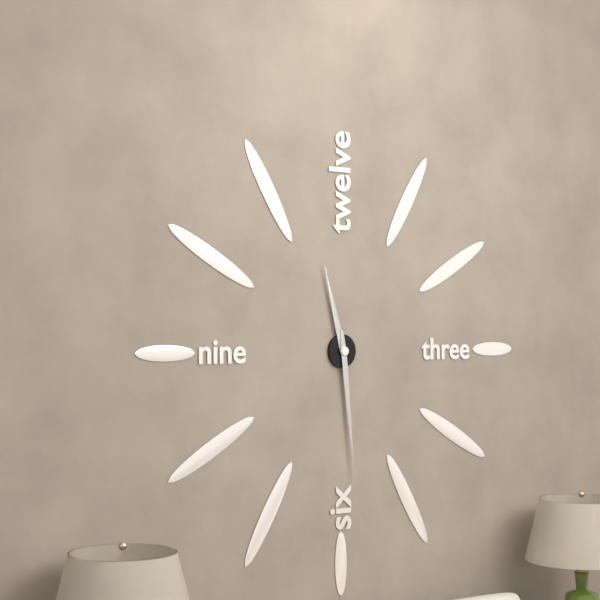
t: 11:29
